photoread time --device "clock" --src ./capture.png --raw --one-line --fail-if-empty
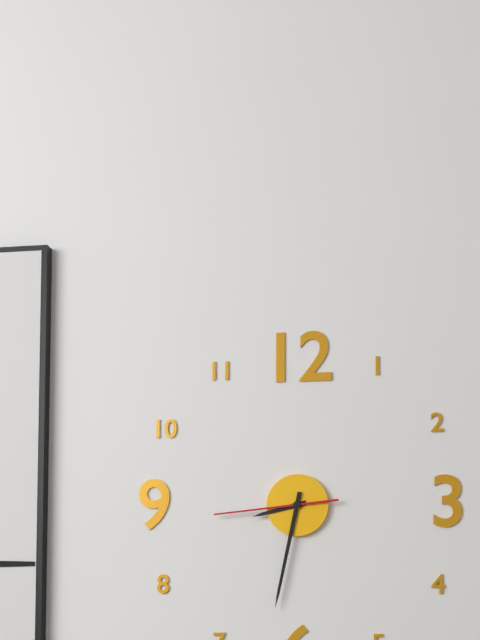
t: 8:32:44
